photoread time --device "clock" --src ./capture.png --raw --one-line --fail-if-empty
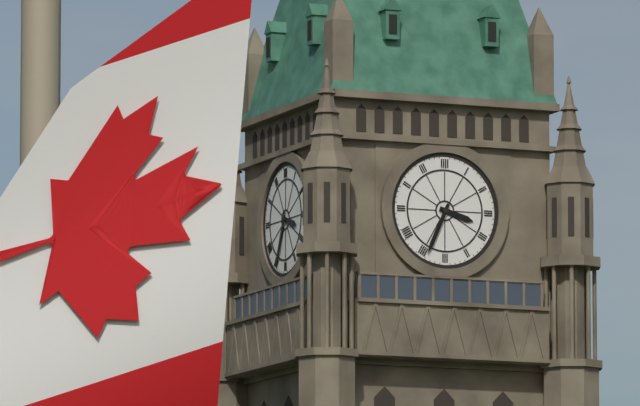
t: 3:34
